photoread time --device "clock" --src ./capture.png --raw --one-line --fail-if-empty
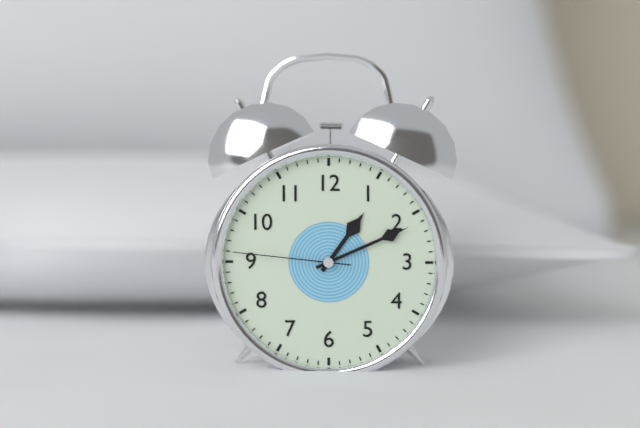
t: 1:11:46
